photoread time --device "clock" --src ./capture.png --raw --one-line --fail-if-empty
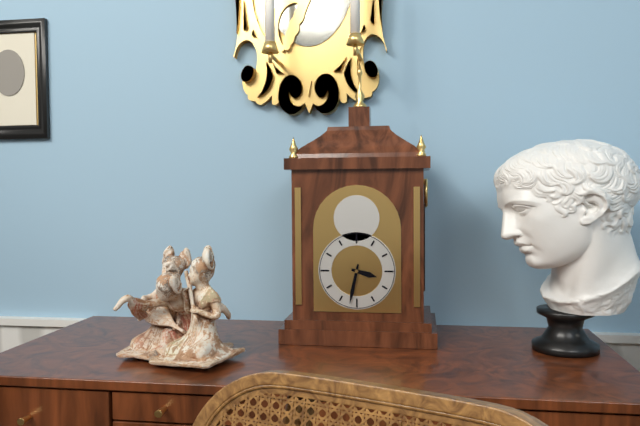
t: 3:32
